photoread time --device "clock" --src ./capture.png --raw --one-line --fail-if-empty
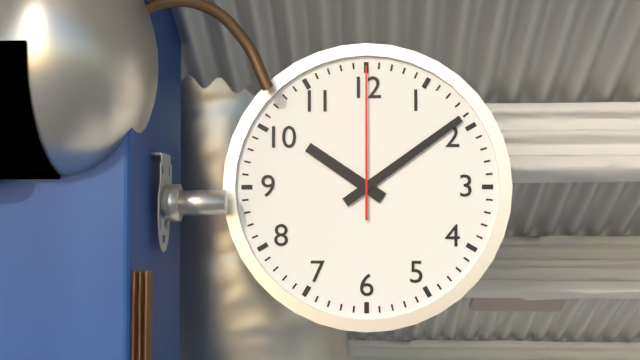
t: 10:09:00
